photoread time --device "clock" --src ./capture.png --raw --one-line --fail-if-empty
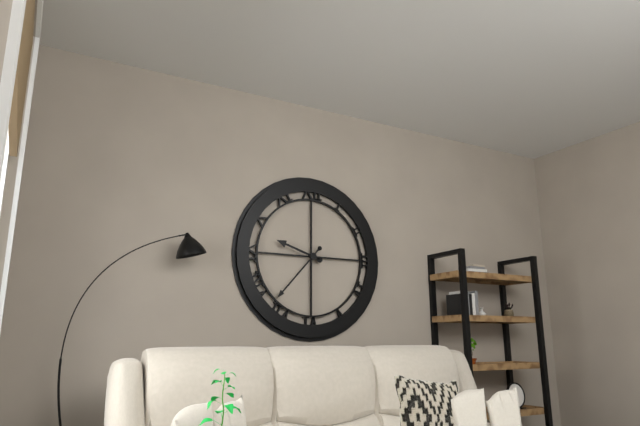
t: 9:37
